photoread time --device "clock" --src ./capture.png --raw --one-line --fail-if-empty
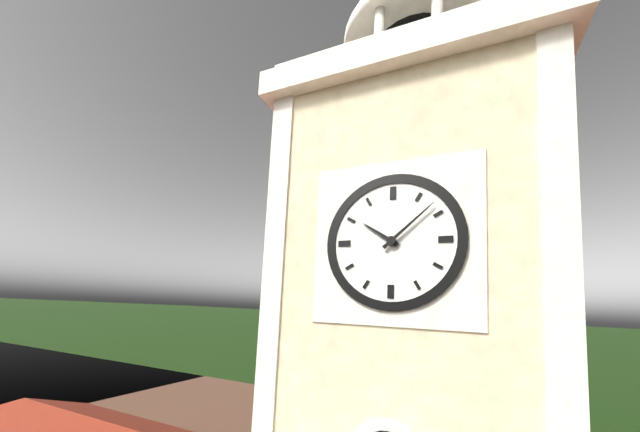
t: 10:08
